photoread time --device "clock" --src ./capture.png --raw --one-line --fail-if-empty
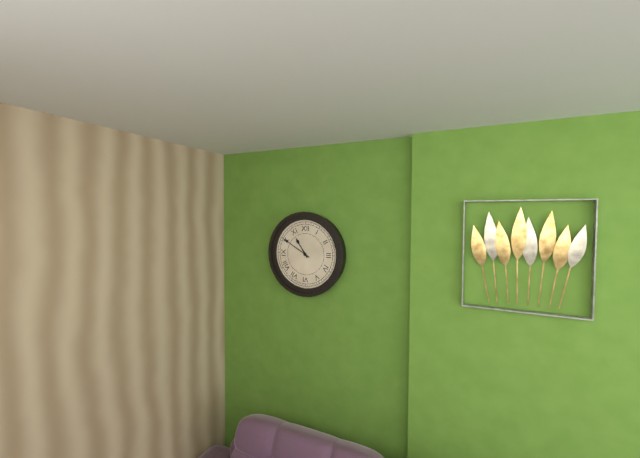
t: 10:50
